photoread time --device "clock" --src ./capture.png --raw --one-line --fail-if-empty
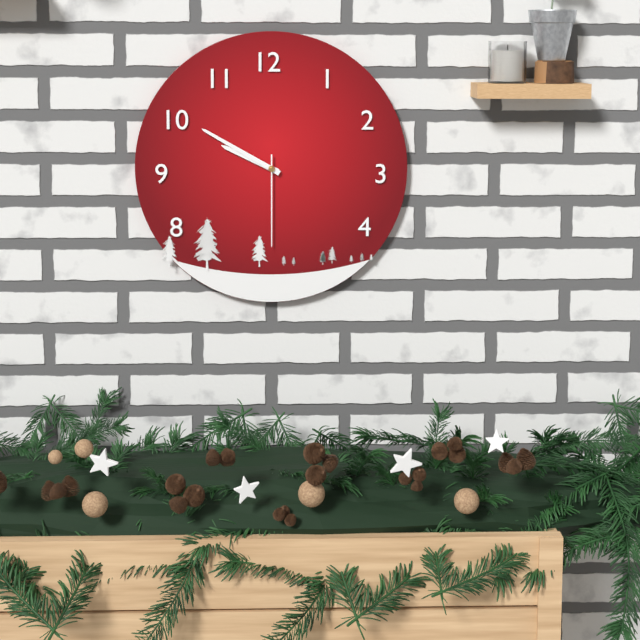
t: 9:50:30
